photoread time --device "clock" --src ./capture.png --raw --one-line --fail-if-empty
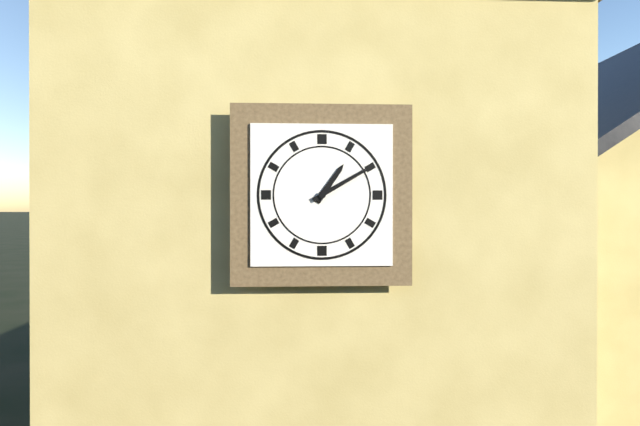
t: 1:10
